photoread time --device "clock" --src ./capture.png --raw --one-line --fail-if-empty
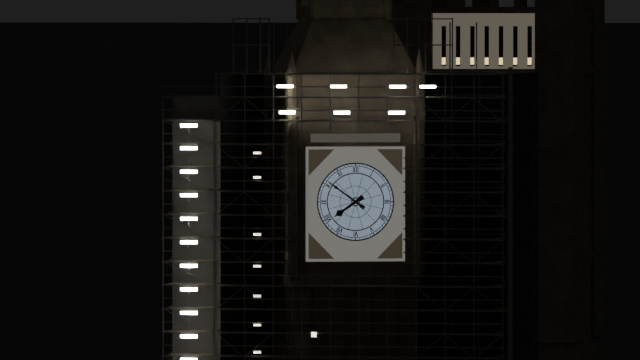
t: 7:51
